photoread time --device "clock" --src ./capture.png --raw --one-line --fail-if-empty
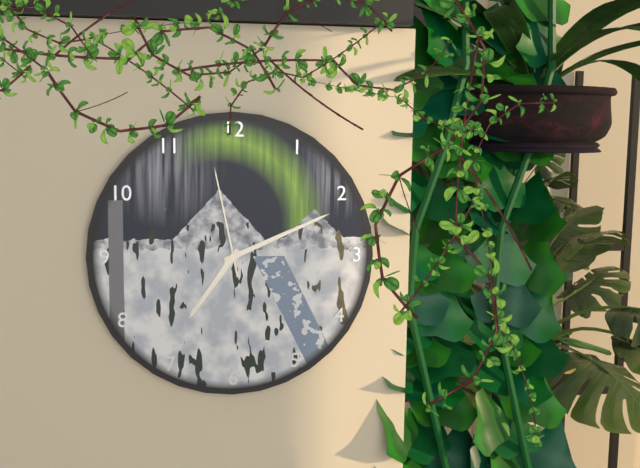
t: 7:11:58
